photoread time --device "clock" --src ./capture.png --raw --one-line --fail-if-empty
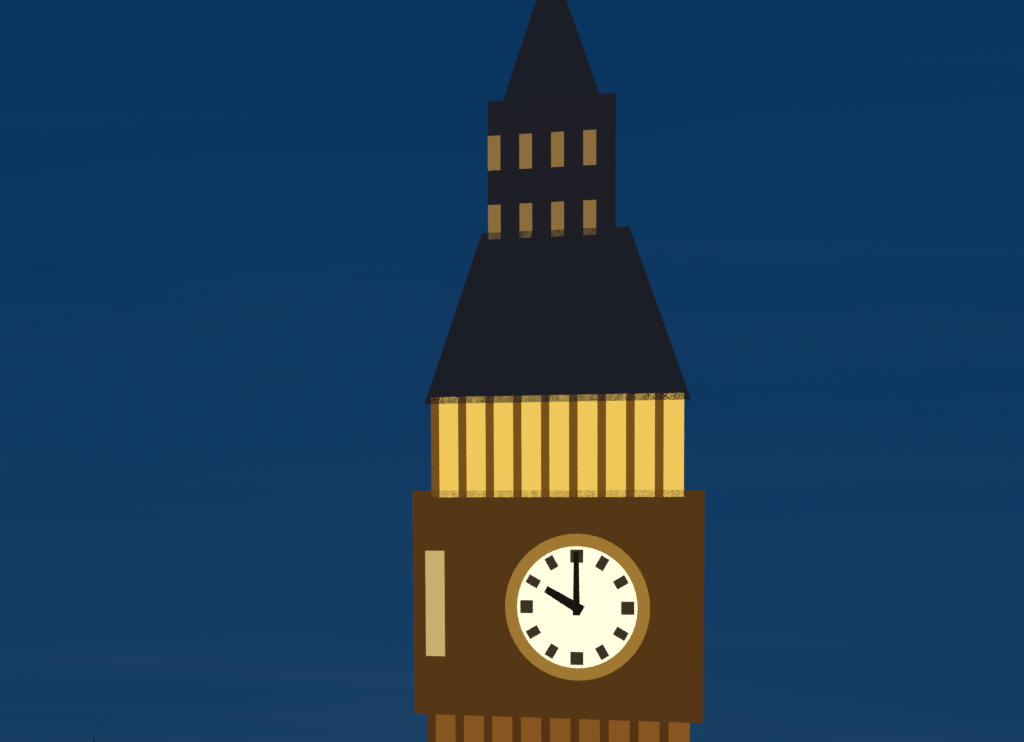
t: 10:00
